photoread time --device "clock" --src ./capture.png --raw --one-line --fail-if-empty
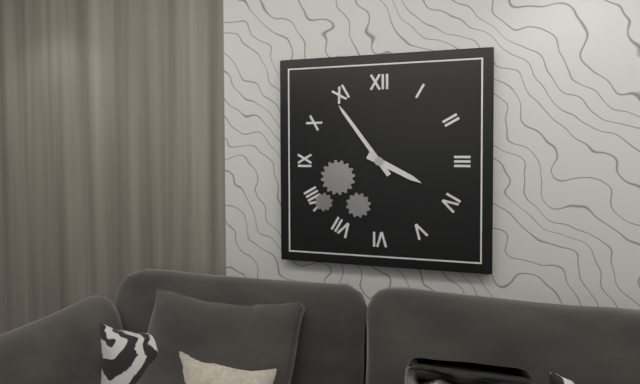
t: 3:54
